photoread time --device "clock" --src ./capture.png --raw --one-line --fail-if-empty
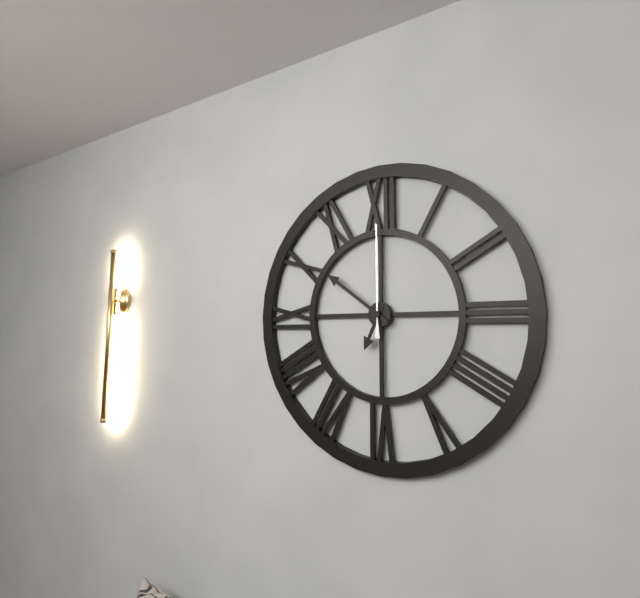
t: 6:51:00
